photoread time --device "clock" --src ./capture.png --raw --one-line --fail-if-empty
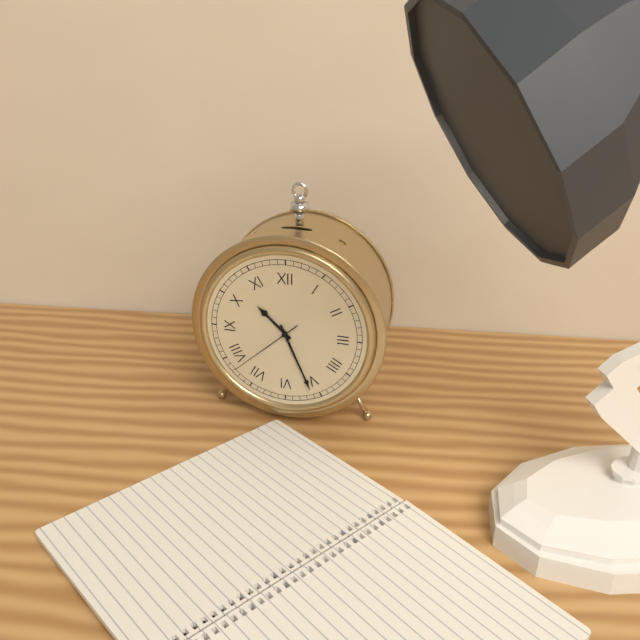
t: 10:26:38
